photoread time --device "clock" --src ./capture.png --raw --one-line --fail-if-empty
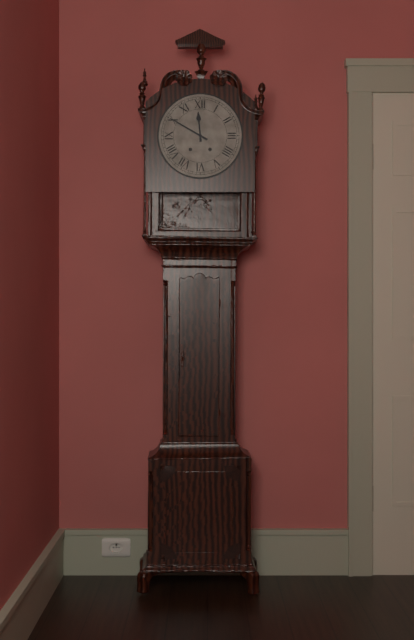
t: 11:50
